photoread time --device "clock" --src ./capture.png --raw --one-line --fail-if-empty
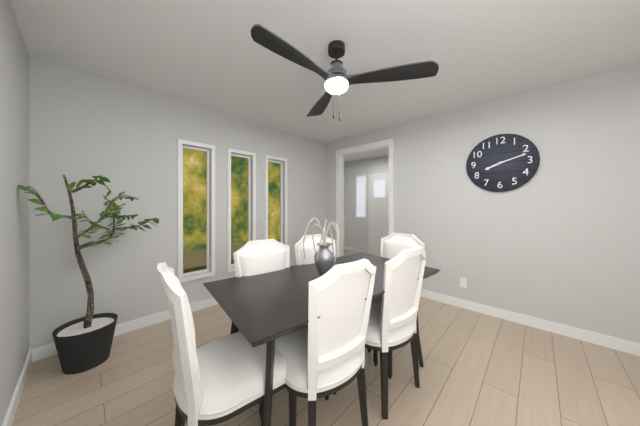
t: 8:12
